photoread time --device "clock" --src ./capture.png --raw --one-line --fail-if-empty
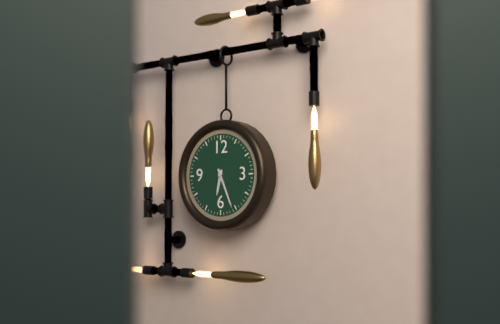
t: 6:26
